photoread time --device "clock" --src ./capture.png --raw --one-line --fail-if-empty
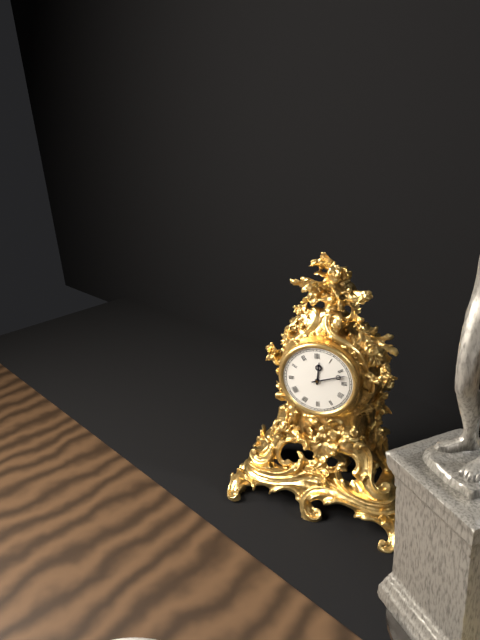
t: 12:12
